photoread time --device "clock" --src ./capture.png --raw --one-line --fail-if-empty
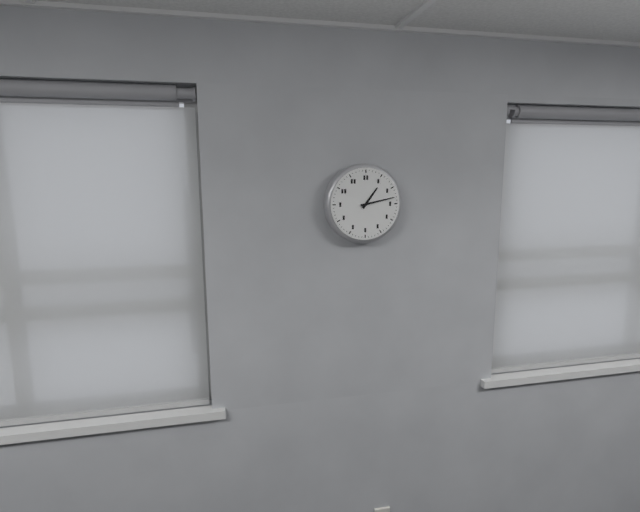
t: 1:13
